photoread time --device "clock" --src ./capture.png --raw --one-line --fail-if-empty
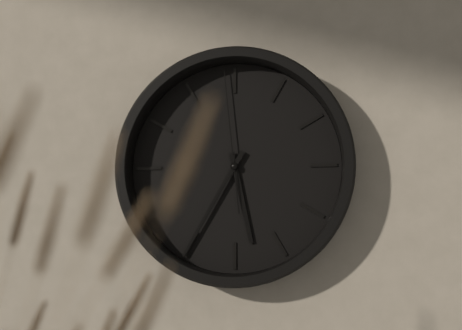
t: 5:35:59
